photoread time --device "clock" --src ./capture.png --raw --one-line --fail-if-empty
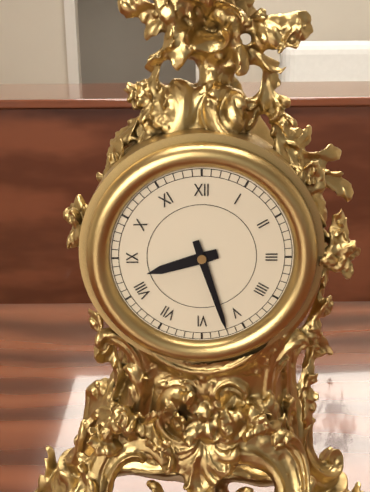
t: 8:27
